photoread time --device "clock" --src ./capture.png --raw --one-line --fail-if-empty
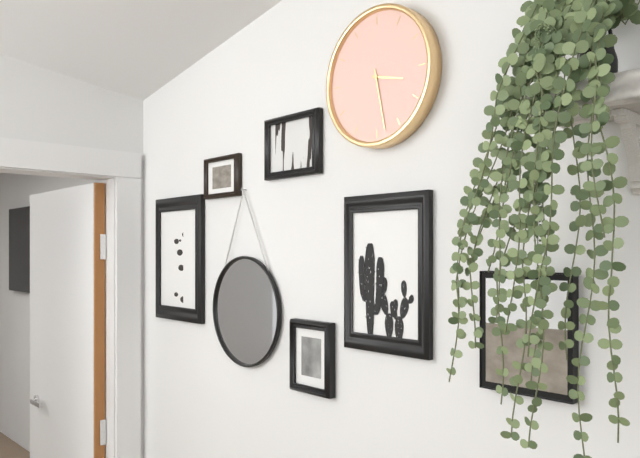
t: 3:28
